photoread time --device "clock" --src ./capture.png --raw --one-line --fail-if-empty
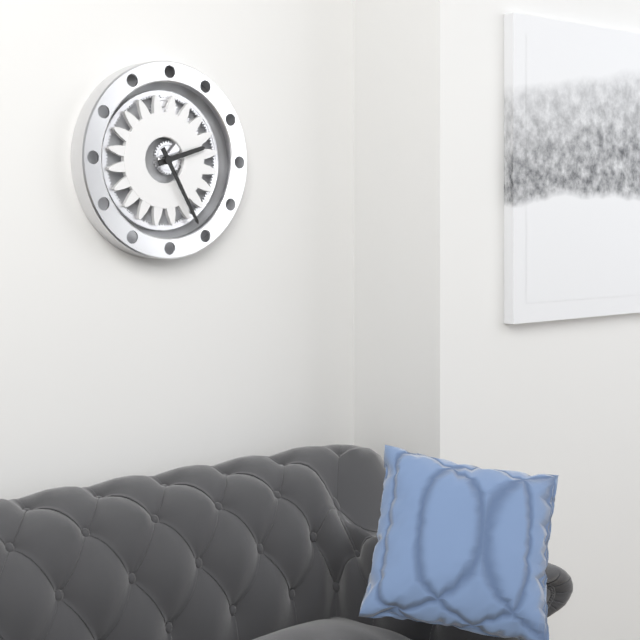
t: 2:25
